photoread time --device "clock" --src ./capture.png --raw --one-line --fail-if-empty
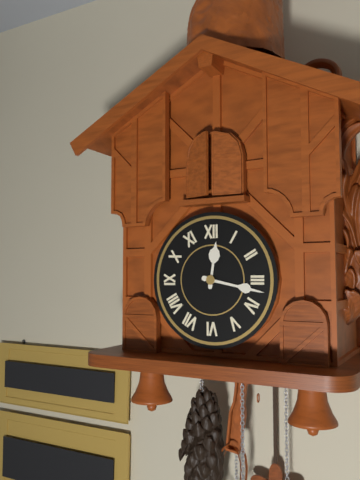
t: 12:17
